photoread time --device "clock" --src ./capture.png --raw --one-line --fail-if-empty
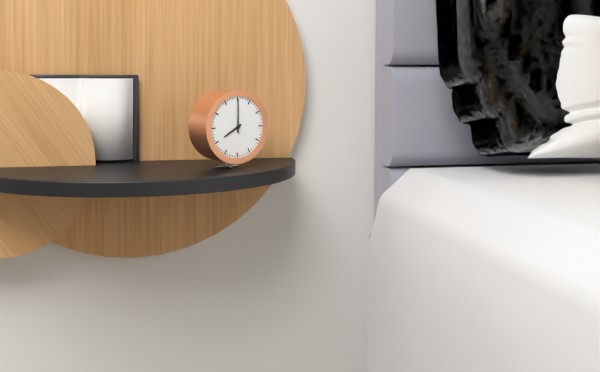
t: 8:00
